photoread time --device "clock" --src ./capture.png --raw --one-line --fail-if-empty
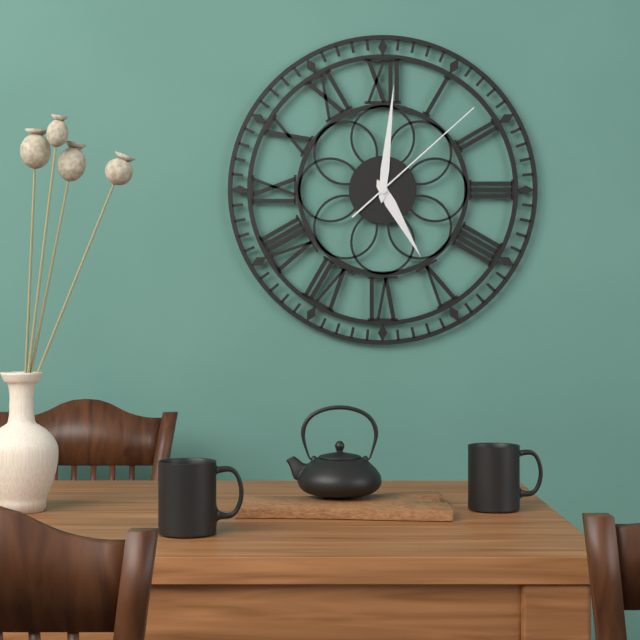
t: 5:01:08
